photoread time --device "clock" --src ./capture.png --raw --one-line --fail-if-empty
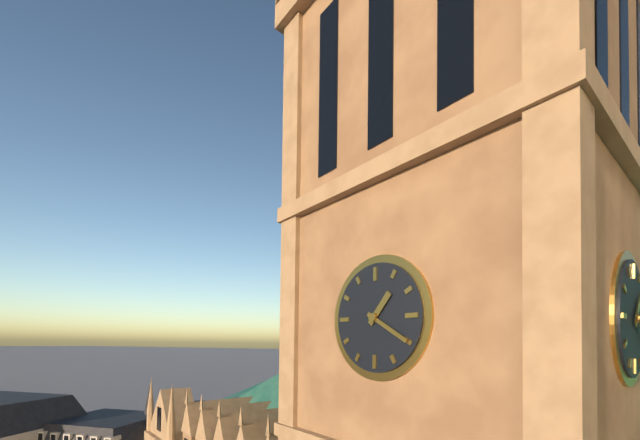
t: 1:20
